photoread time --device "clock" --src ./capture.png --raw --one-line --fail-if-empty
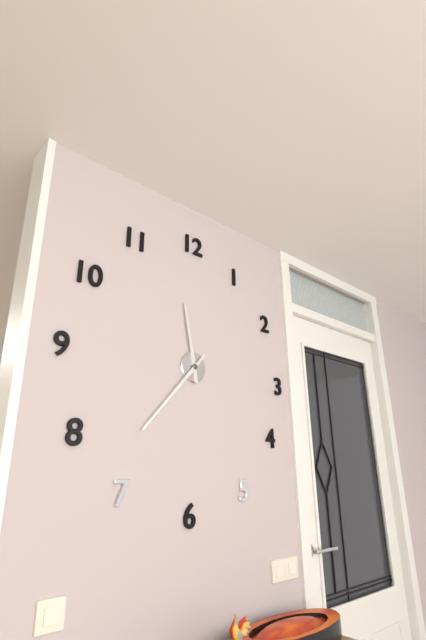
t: 11:37
